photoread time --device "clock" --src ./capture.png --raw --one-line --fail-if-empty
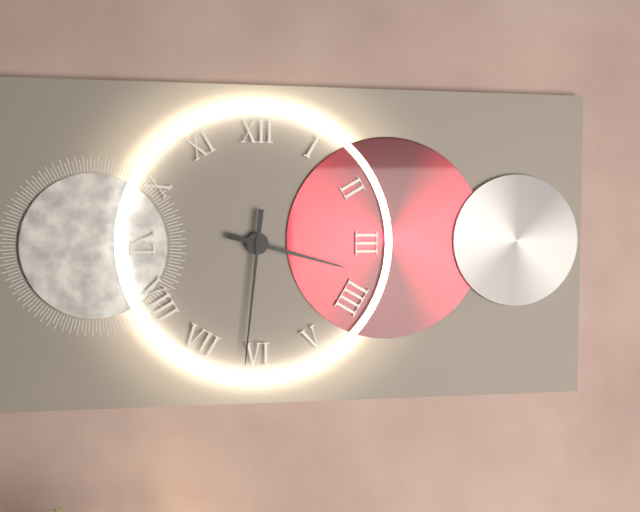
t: 3:31
